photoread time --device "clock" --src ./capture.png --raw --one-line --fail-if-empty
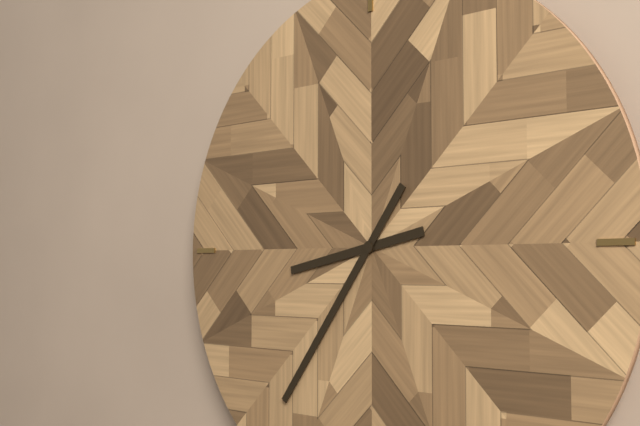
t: 8:36
